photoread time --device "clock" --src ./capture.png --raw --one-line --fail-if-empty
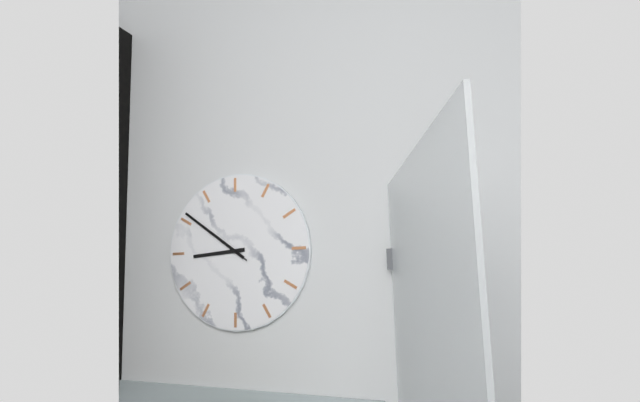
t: 8:51:51
